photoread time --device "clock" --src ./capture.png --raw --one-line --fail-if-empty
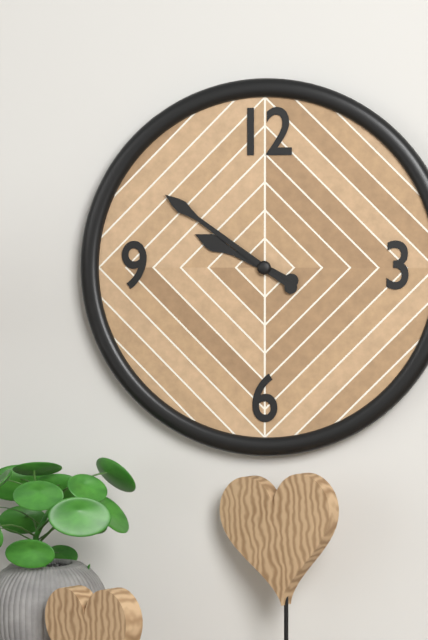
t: 9:51
